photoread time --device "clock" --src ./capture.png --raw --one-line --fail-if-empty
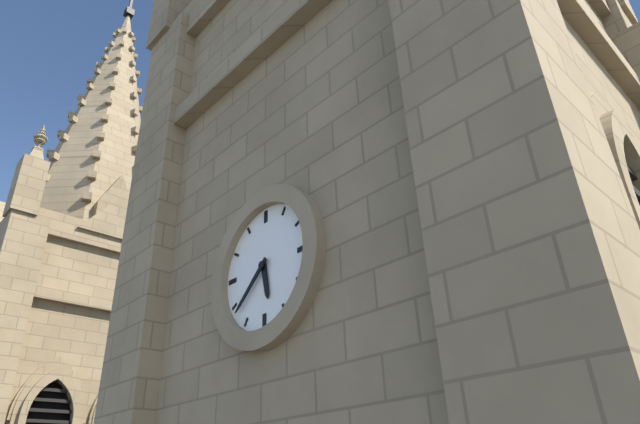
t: 5:38
